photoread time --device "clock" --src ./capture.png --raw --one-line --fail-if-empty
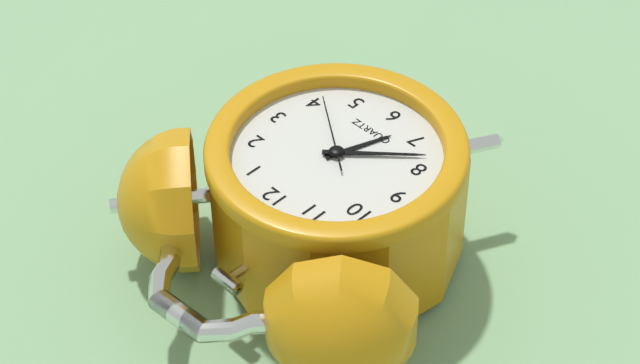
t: 6:38:21
